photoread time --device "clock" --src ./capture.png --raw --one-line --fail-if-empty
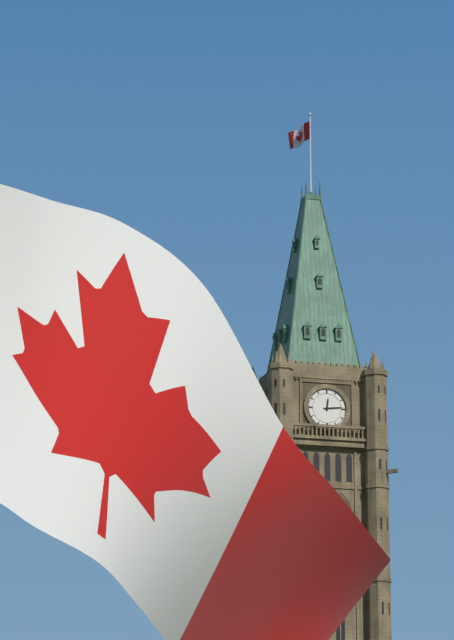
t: 12:14
